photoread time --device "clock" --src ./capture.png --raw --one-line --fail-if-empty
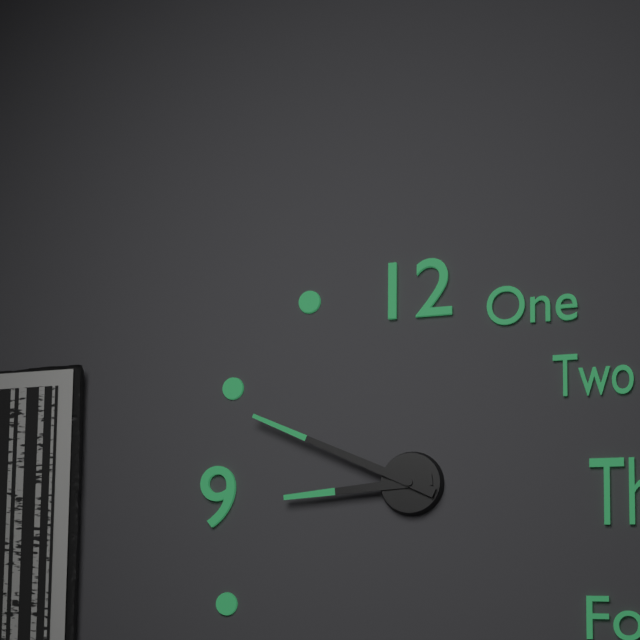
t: 8:49
